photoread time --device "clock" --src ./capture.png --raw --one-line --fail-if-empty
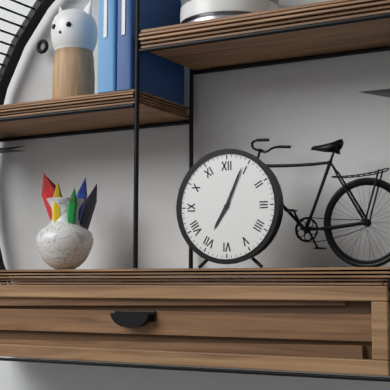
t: 7:04
